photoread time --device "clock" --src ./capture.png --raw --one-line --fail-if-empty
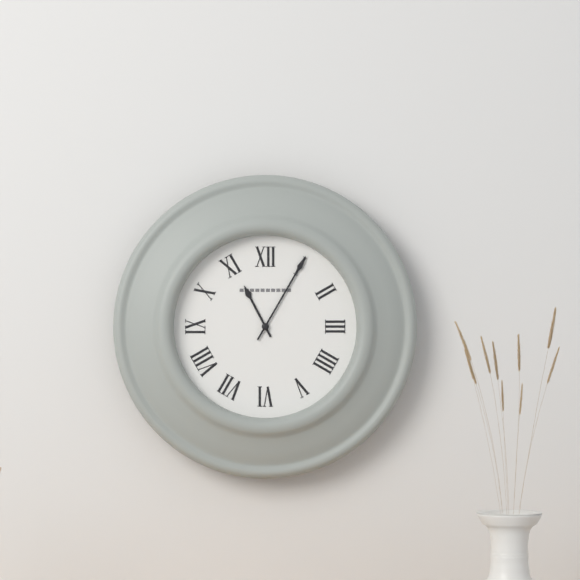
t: 11:05
